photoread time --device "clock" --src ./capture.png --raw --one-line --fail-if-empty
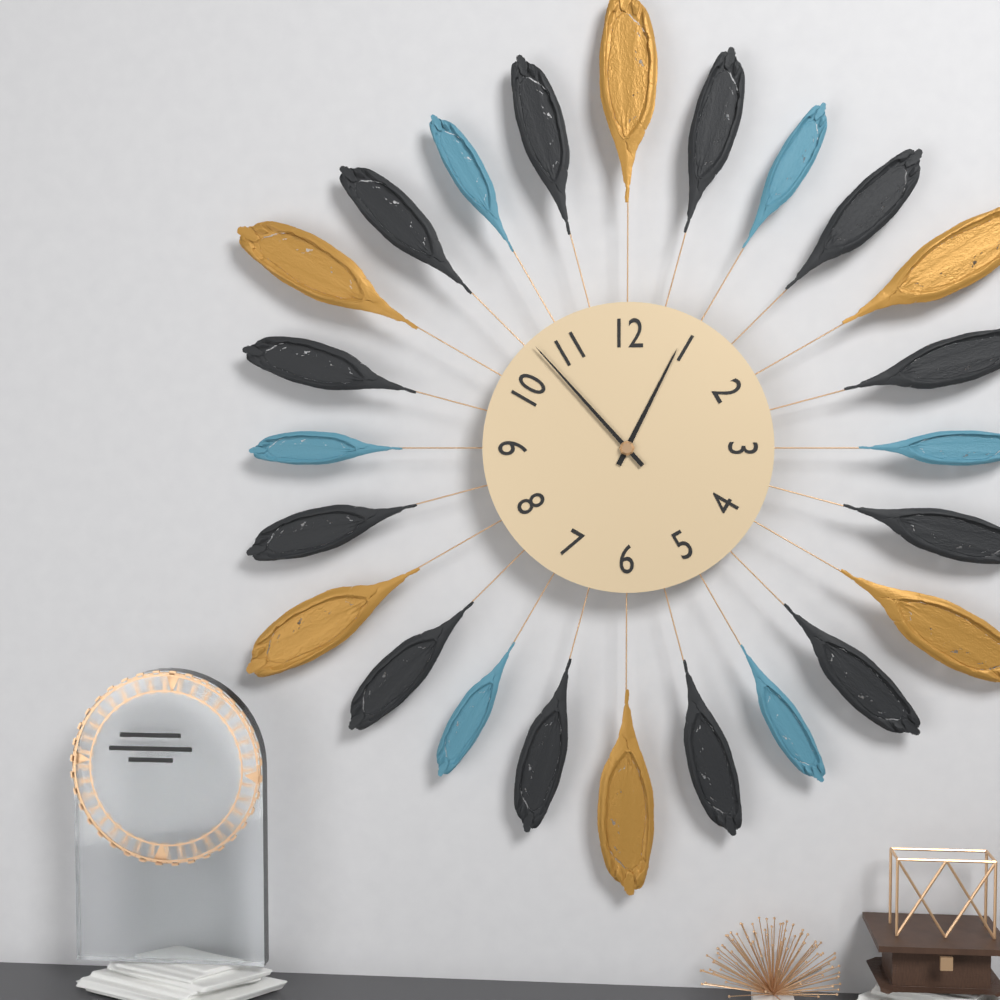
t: 12:53
